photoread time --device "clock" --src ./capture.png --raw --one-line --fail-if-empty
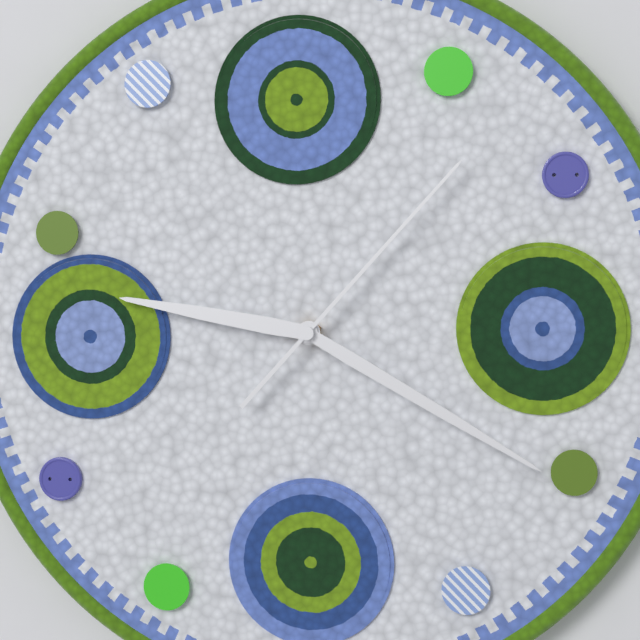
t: 9:20:07
